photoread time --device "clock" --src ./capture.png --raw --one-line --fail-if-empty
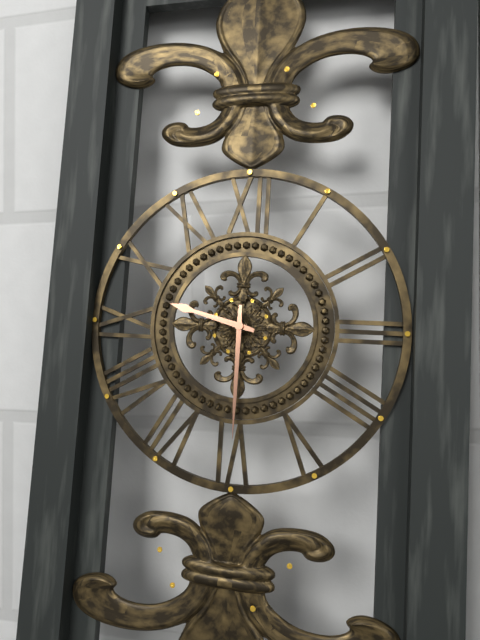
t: 9:30
